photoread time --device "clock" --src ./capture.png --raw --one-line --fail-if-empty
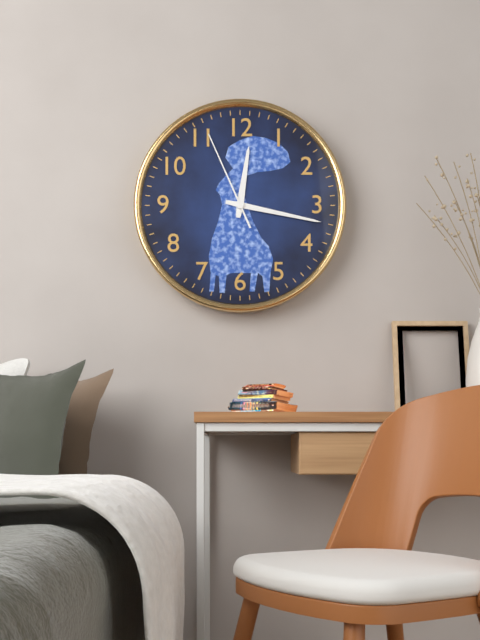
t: 12:17:56
